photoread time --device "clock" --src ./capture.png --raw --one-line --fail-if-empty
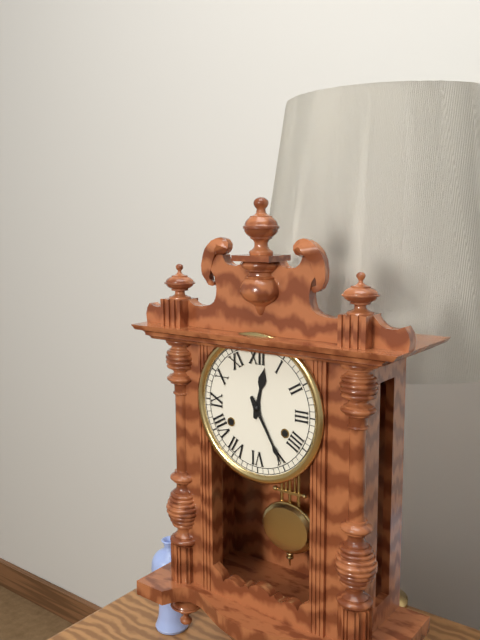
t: 12:25
